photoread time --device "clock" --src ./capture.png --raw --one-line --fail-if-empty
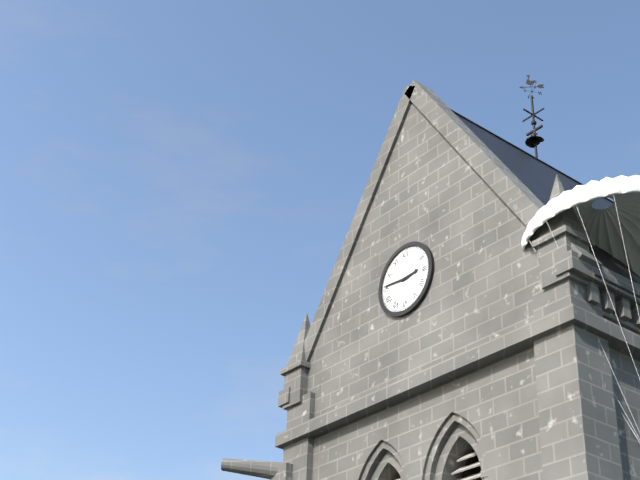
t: 2:46
